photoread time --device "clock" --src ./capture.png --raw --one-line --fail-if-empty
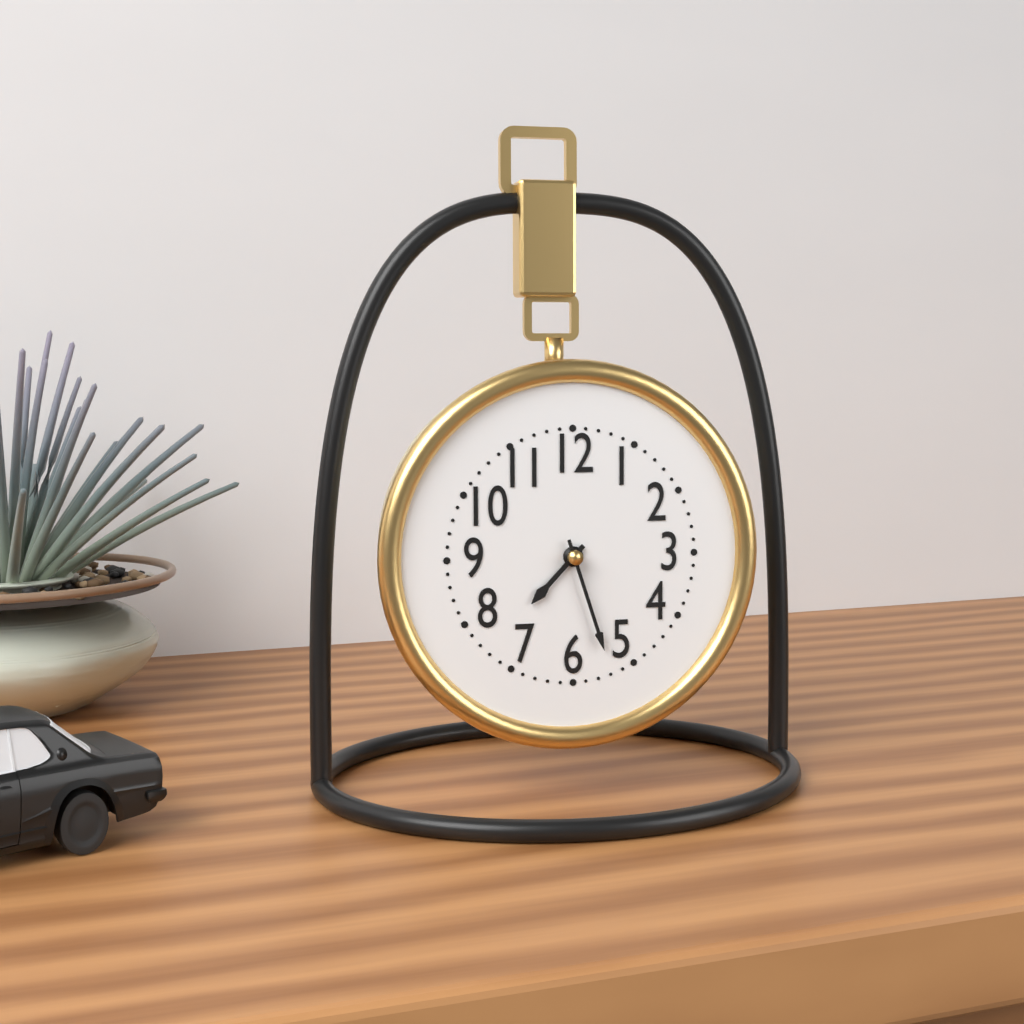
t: 7:27
